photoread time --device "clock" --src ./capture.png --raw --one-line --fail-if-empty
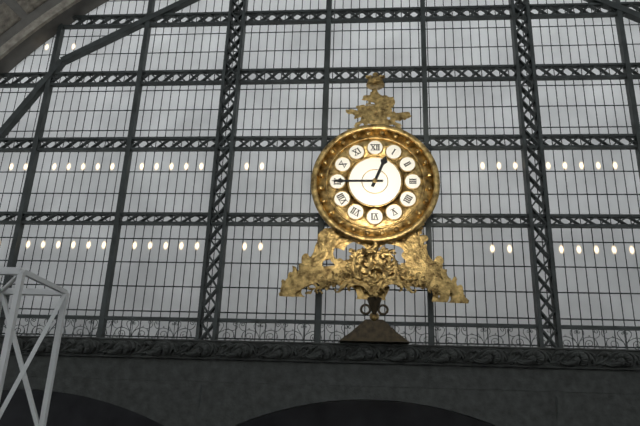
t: 12:45
